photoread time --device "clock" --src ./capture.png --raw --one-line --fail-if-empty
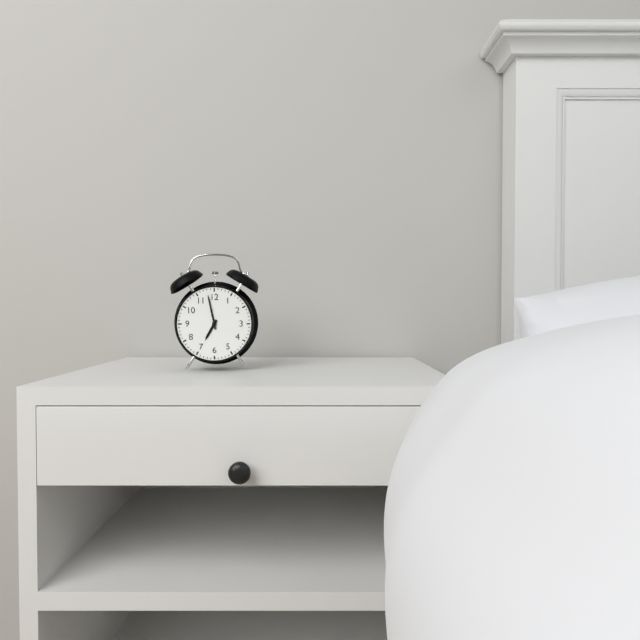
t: 6:58
